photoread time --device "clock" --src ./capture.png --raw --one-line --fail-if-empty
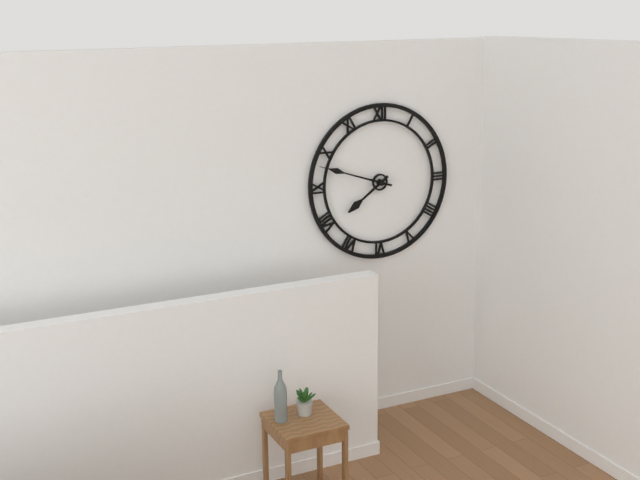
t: 7:48
